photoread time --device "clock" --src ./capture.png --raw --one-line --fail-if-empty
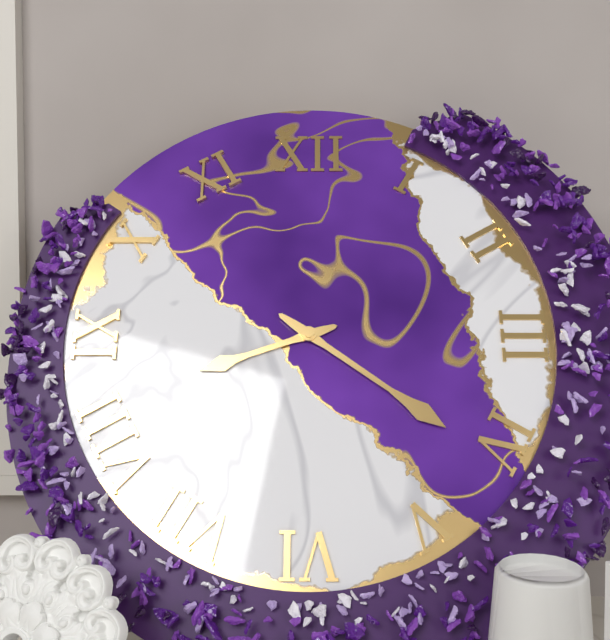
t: 8:21
